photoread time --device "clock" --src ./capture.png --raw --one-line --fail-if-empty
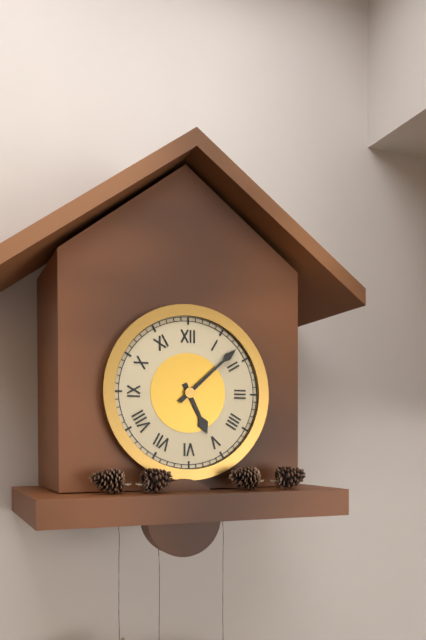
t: 5:08
